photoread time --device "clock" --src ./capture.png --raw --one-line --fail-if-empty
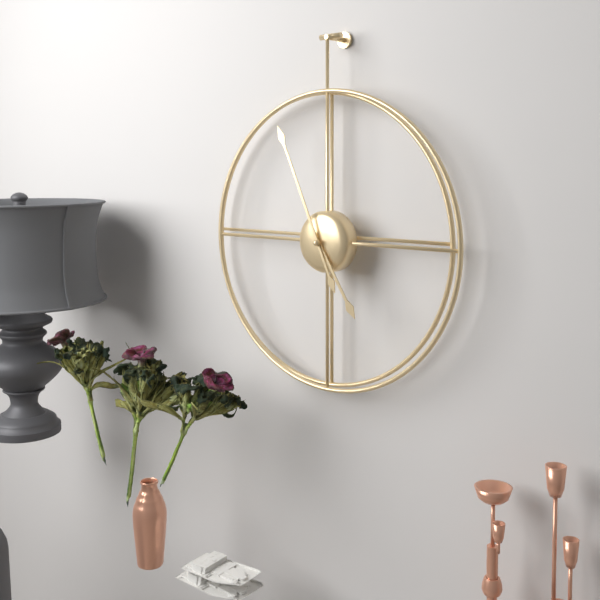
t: 4:56
